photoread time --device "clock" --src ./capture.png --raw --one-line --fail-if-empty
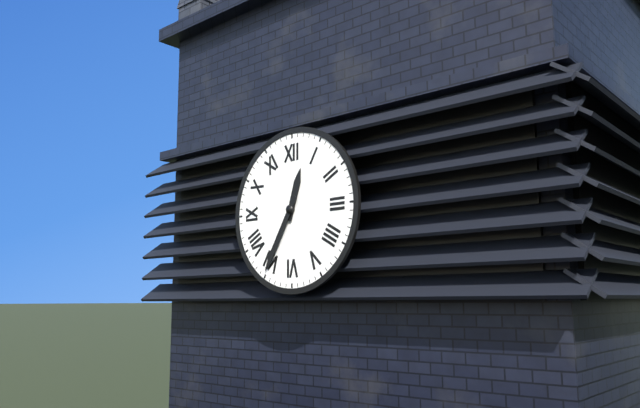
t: 12:35
